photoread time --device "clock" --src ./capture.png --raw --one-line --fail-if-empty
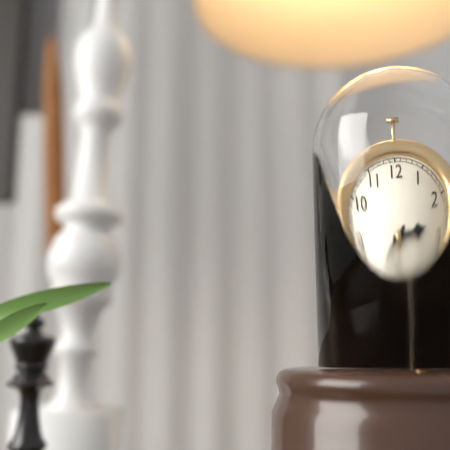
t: 2:39
